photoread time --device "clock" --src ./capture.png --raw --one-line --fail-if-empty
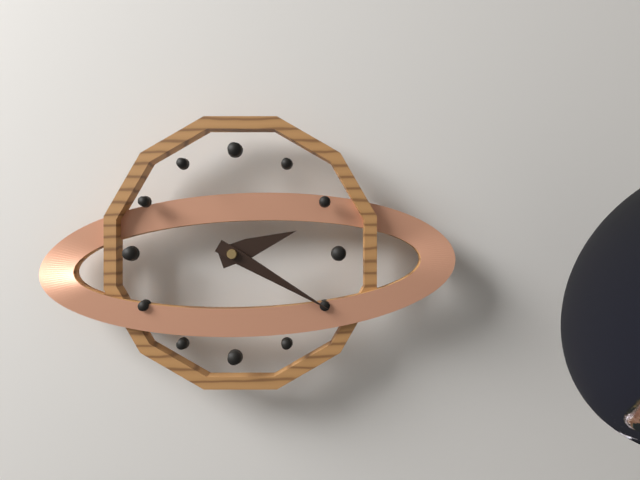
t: 2:20
